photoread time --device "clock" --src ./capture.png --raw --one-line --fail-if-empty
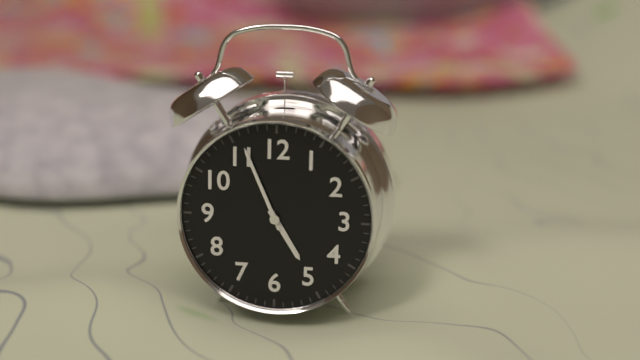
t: 4:56
